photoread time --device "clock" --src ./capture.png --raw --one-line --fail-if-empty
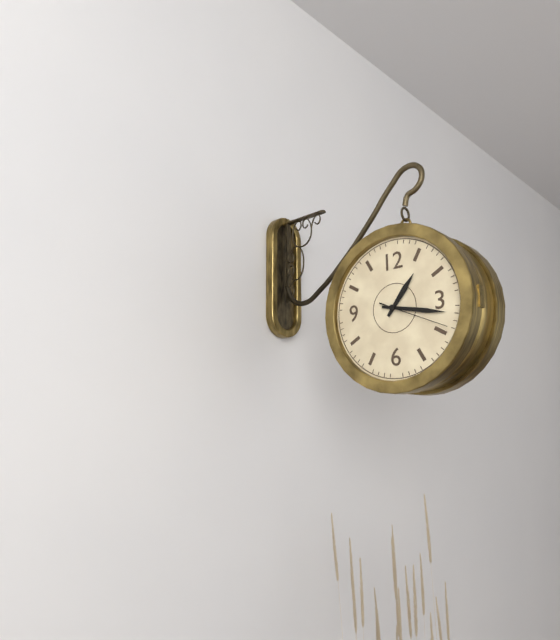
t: 1:17:19
